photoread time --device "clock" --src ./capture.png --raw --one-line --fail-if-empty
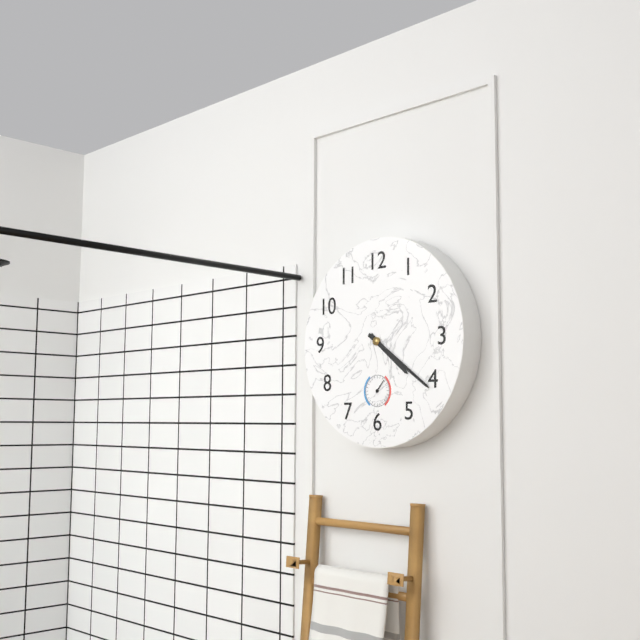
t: 4:21
